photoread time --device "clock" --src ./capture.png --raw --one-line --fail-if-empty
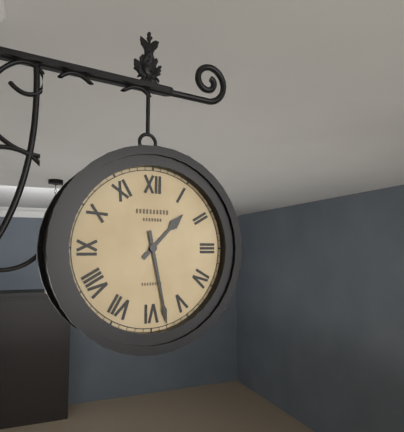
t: 1:28
